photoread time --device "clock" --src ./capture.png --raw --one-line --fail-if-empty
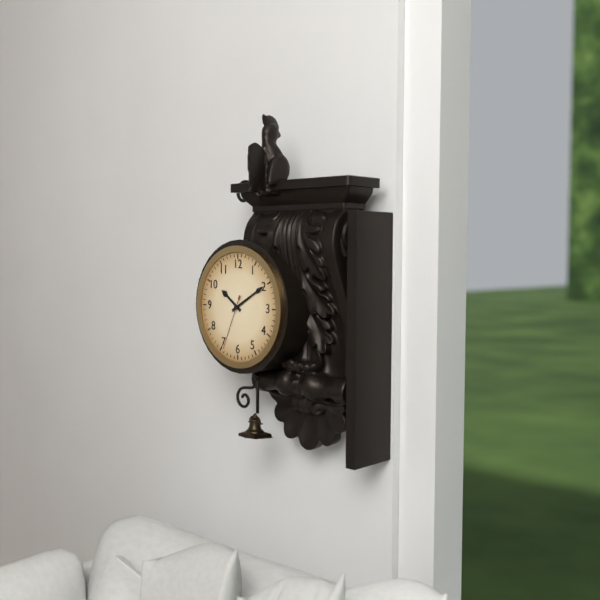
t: 10:10:34
